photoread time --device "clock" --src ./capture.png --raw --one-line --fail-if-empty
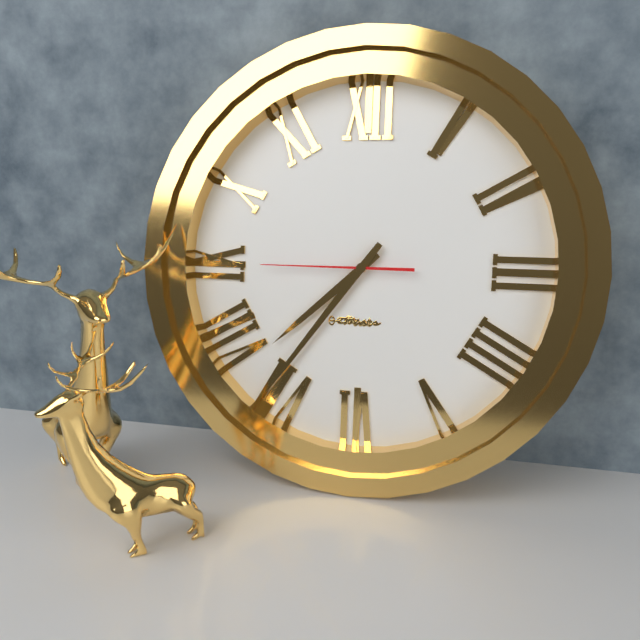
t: 7:36:45
